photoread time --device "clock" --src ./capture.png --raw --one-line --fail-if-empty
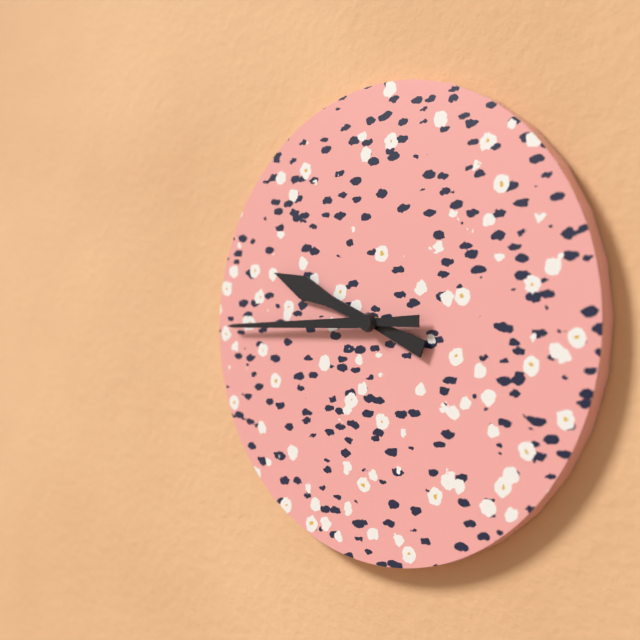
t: 9:45
